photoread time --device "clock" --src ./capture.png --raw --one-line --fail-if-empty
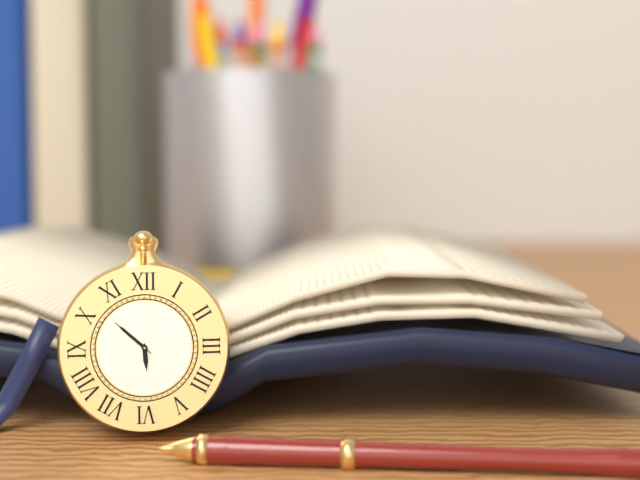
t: 5:52
